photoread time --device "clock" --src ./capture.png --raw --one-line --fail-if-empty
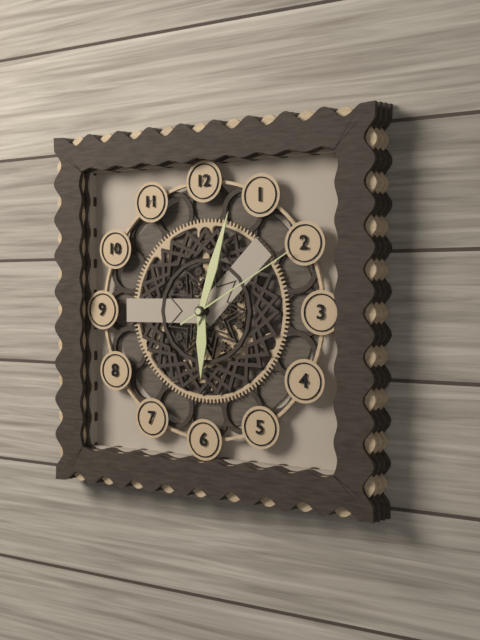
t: 6:03:10
